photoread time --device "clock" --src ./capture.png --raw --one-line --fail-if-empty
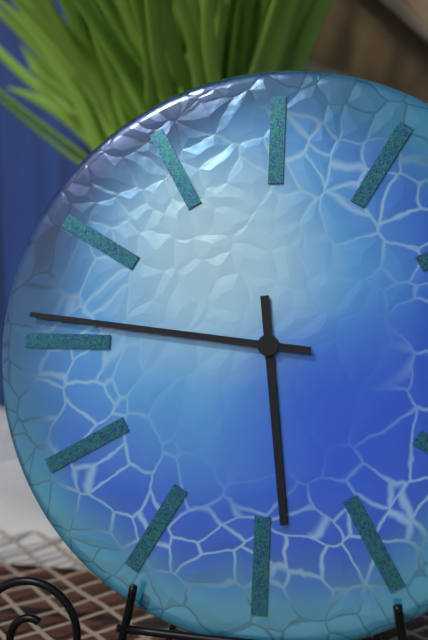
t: 5:46
